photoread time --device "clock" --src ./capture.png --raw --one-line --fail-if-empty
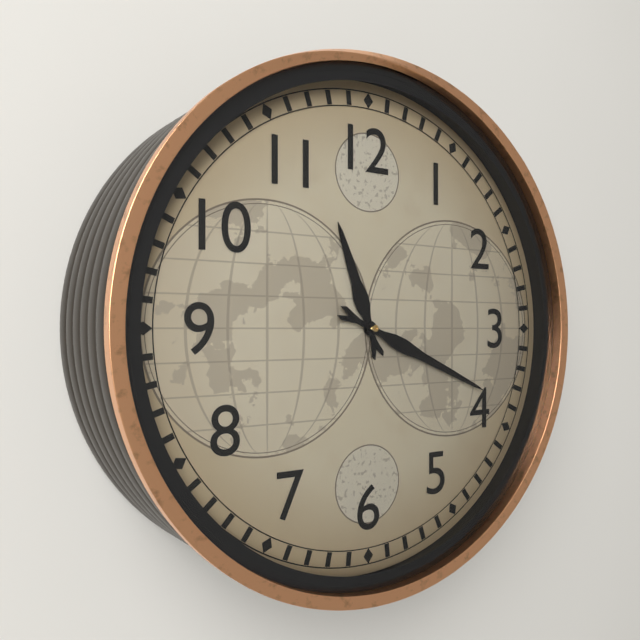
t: 11:19
